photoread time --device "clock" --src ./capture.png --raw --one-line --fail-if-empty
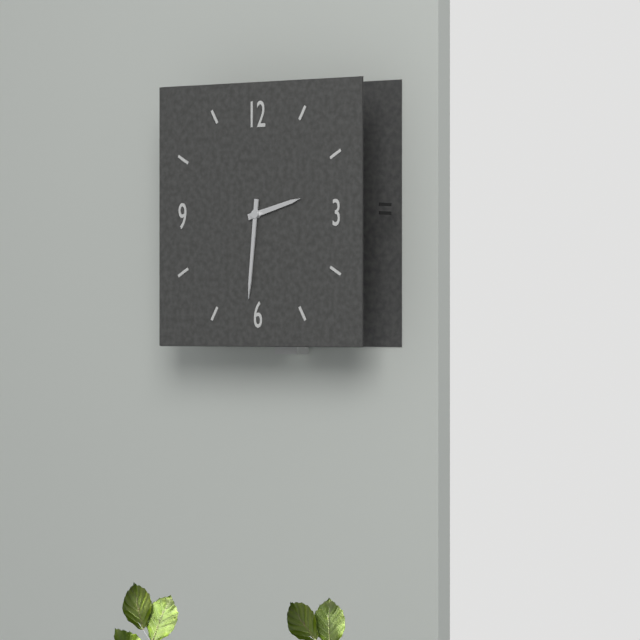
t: 2:31
